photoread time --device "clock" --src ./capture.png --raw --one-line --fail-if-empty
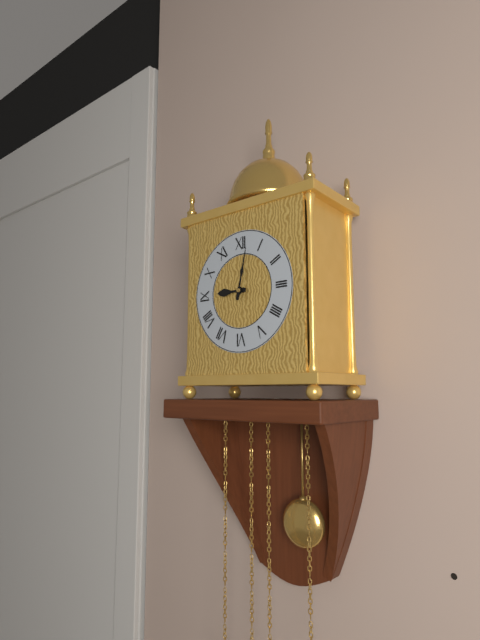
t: 9:02
